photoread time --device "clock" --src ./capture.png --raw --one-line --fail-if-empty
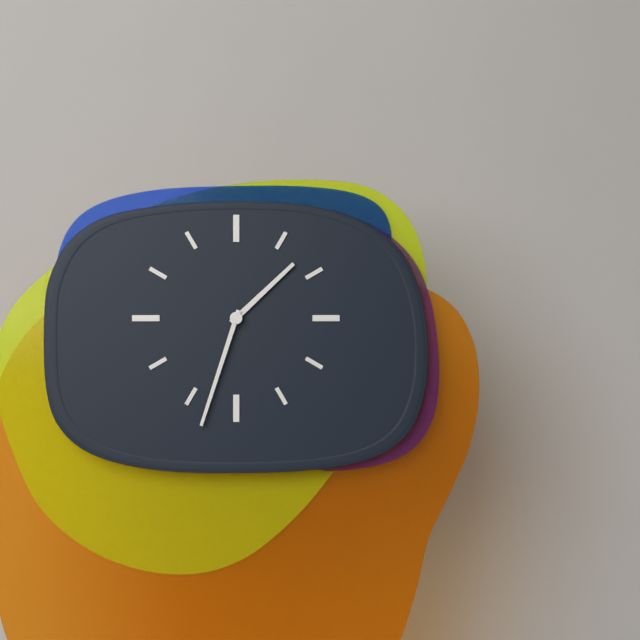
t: 1:33
